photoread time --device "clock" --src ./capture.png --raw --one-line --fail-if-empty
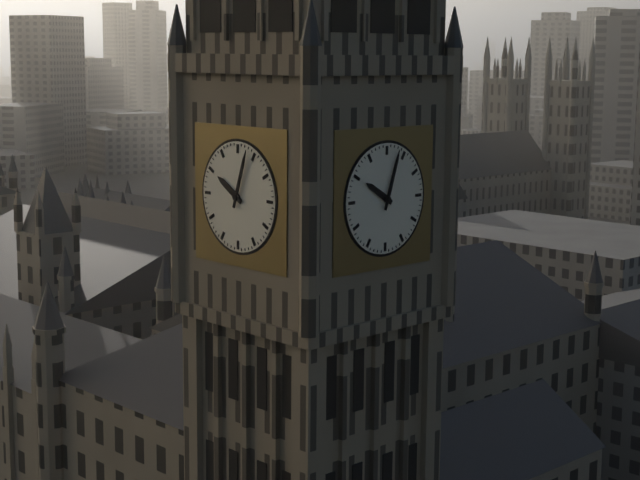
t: 10:03
